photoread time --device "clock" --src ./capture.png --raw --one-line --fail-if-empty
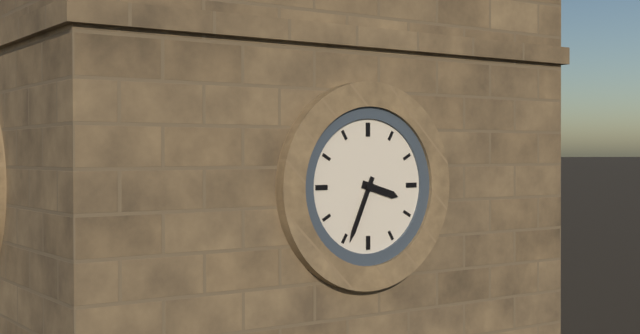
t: 3:34
